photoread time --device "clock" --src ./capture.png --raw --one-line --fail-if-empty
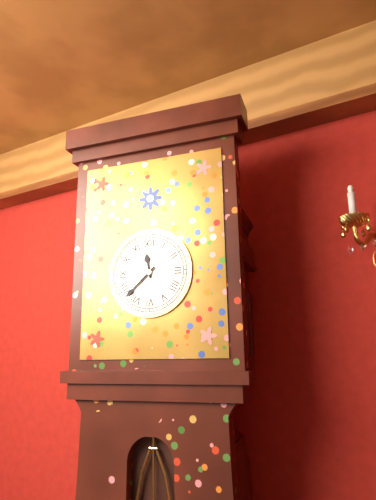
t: 11:38
